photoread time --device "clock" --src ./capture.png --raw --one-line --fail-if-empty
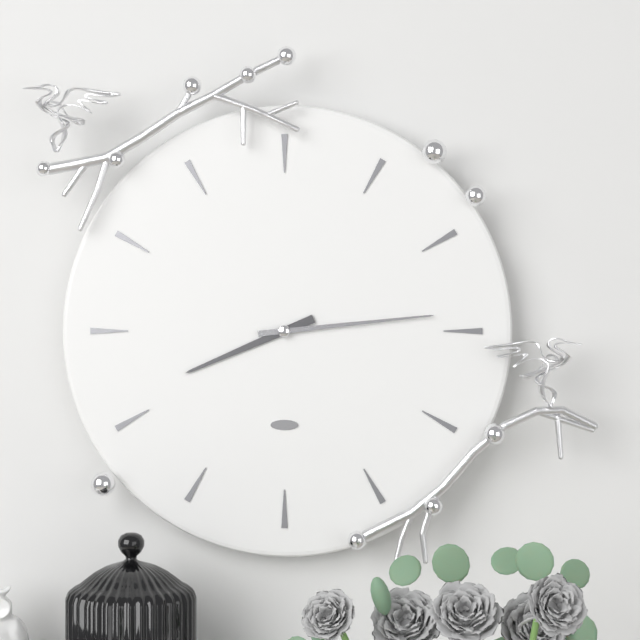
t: 8:14
